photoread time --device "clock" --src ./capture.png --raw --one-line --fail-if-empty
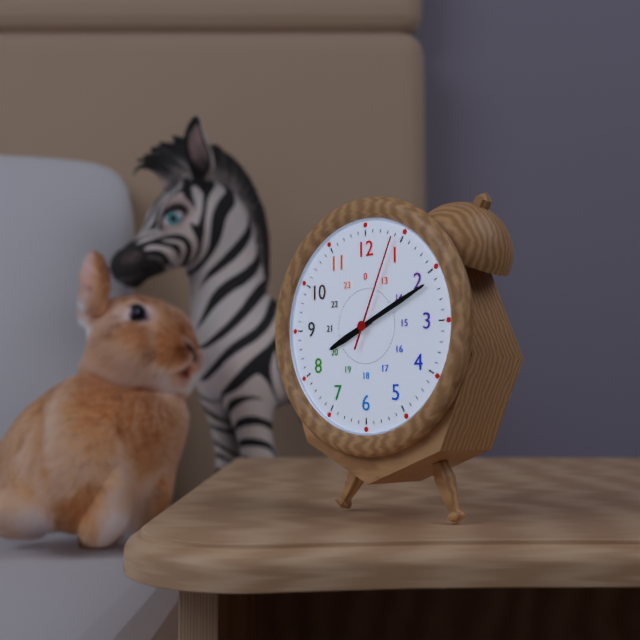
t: 8:11:04
